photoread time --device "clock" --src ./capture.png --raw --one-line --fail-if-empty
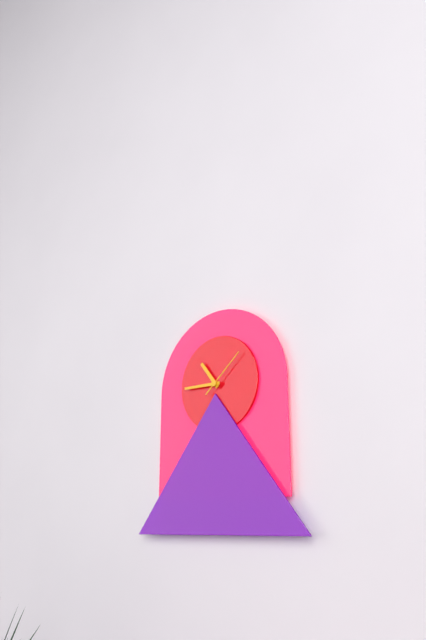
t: 10:45:08
